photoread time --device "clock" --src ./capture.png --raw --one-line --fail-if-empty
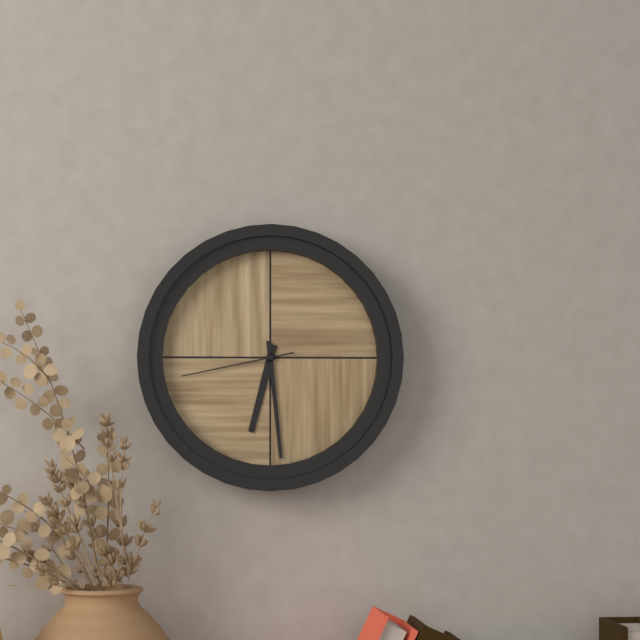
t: 6:29:43
